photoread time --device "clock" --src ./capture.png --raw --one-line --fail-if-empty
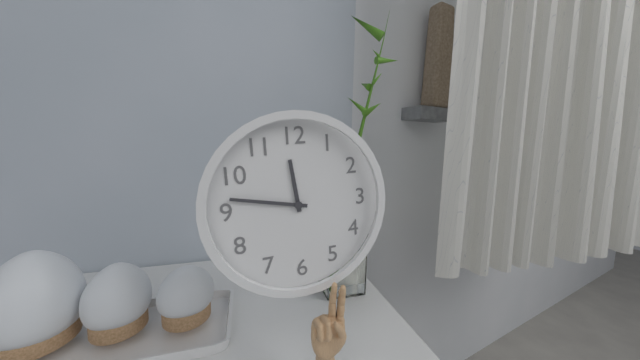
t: 11:47
